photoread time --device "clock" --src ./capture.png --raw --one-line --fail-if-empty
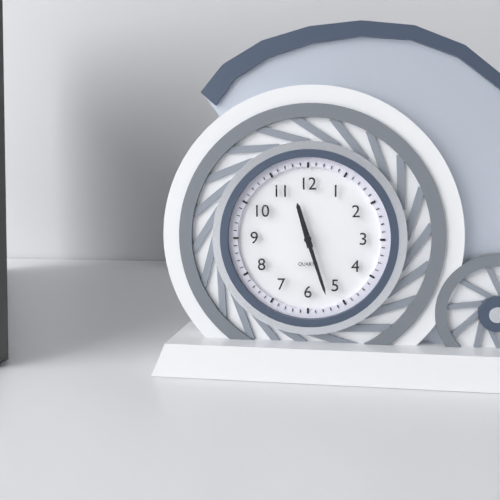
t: 11:27
